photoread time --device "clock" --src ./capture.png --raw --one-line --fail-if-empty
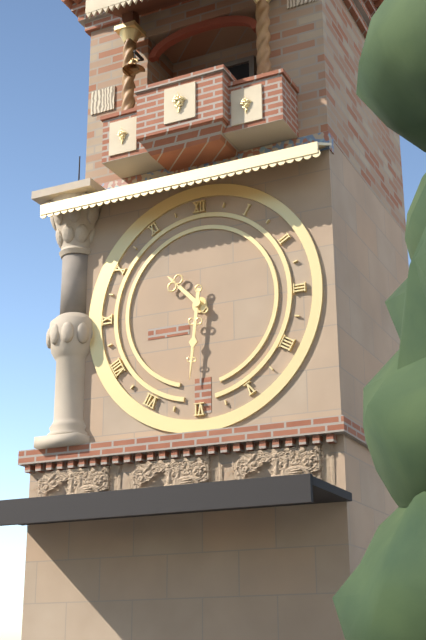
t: 10:31
